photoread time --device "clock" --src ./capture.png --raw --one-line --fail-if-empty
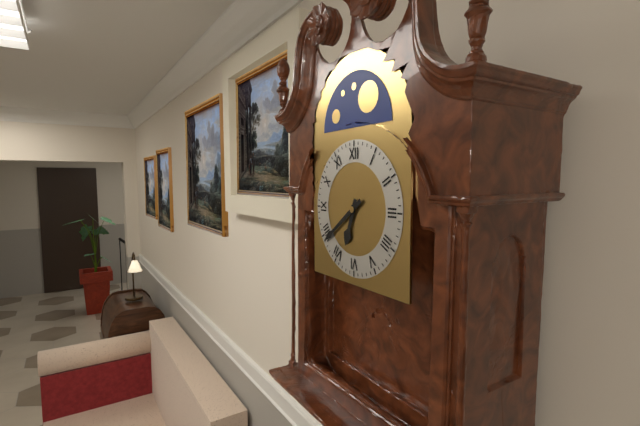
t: 6:39
